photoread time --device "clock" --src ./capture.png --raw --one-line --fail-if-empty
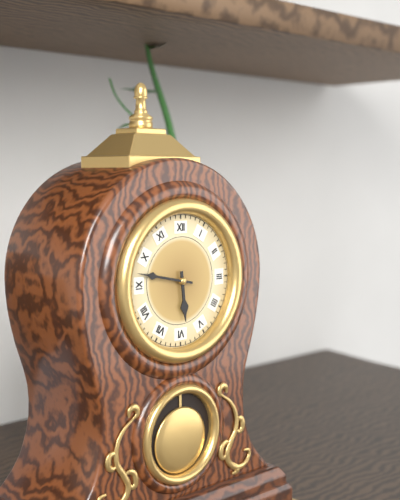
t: 5:47
